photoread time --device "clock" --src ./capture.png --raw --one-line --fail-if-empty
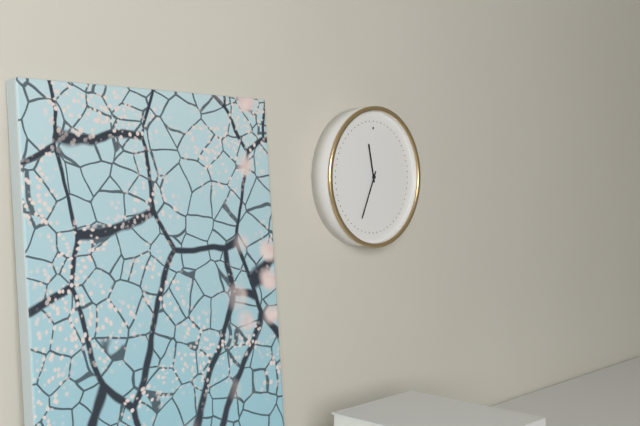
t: 11:34
